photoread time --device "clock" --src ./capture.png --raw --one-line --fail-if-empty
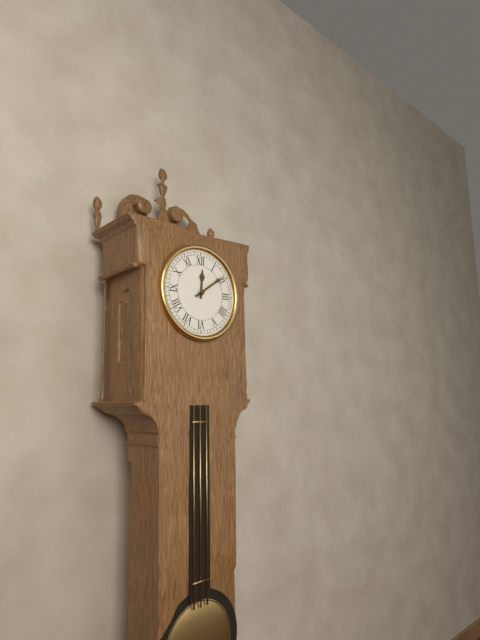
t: 12:09
